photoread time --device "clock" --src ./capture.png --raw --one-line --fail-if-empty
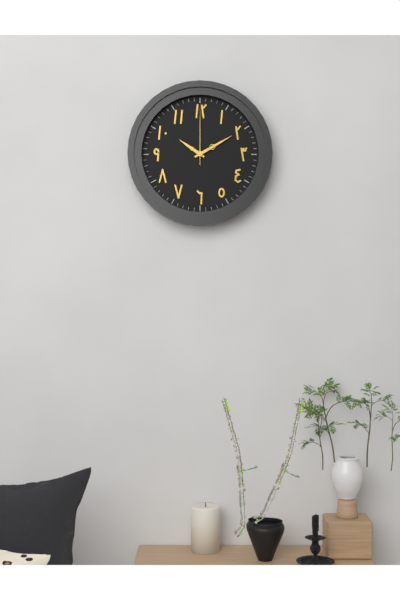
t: 10:10:00
